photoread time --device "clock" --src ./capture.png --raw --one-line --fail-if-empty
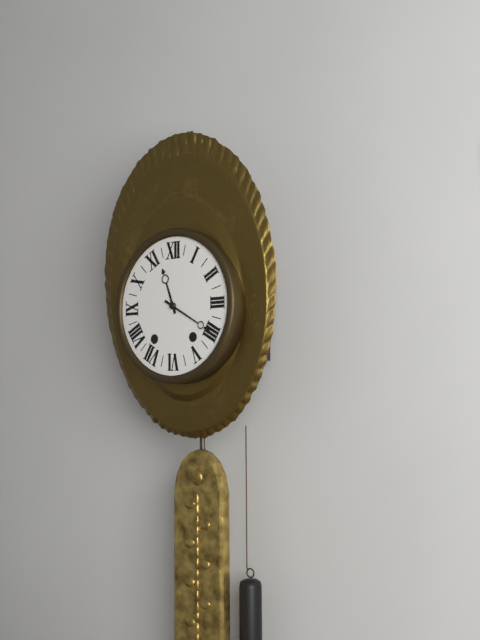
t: 11:20
